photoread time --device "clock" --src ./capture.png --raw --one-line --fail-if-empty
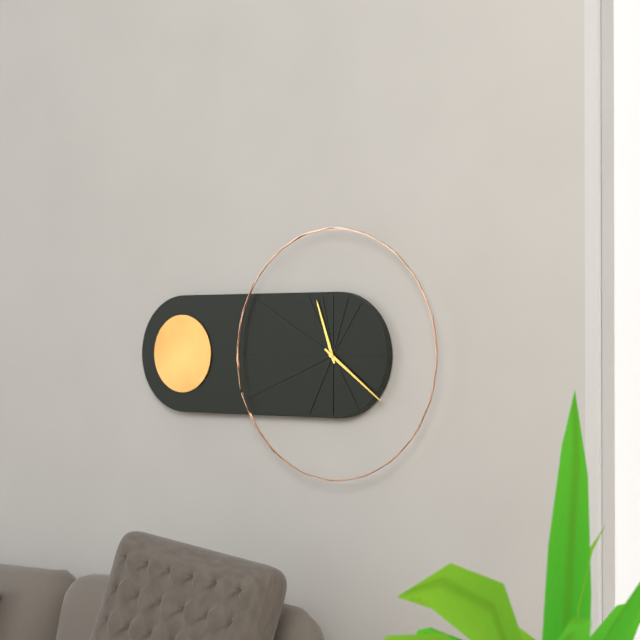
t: 11:21
